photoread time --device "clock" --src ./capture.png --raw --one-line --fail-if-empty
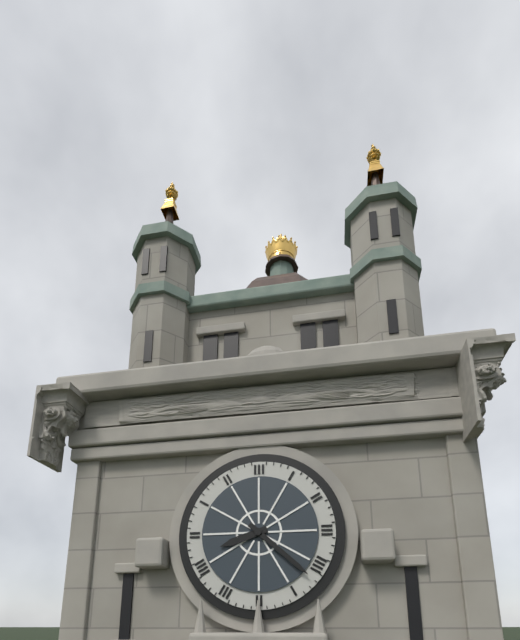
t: 8:22
